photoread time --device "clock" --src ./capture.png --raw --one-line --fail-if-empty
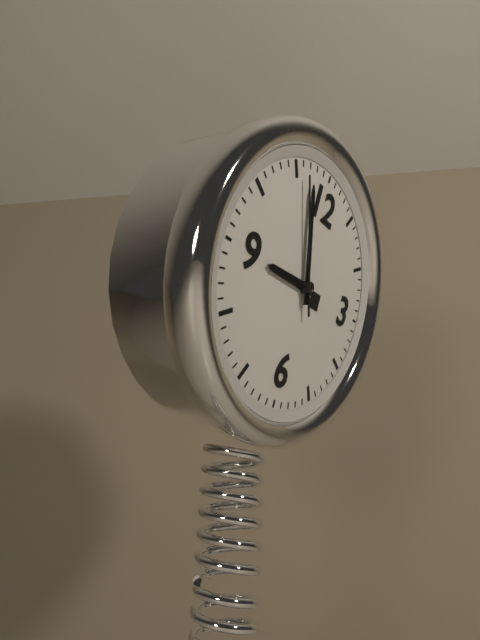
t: 8:57:56
